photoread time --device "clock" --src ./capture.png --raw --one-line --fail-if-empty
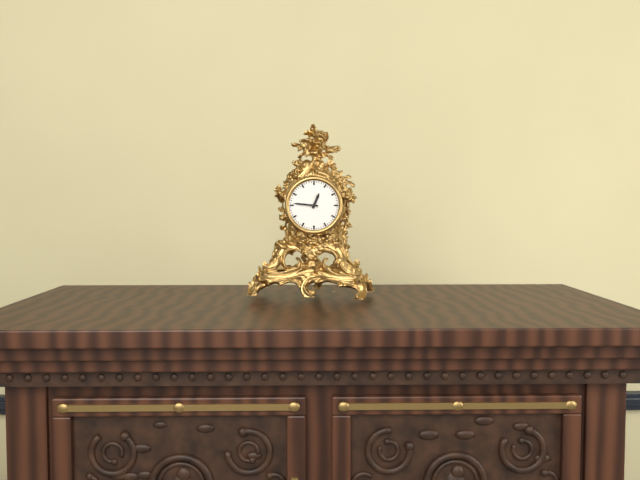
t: 12:46
